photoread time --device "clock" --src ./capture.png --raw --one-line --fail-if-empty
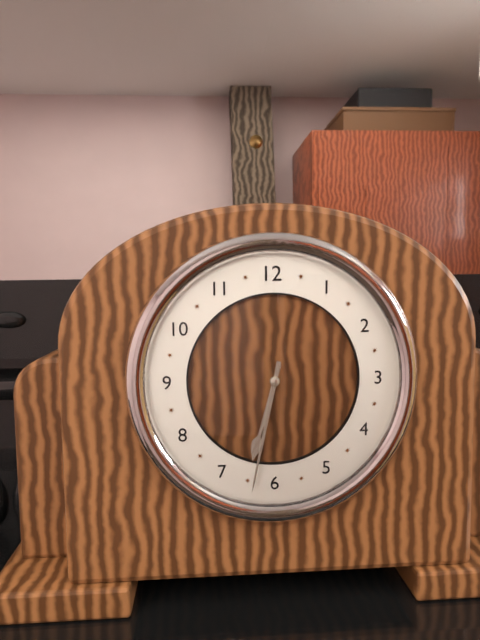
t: 6:32
